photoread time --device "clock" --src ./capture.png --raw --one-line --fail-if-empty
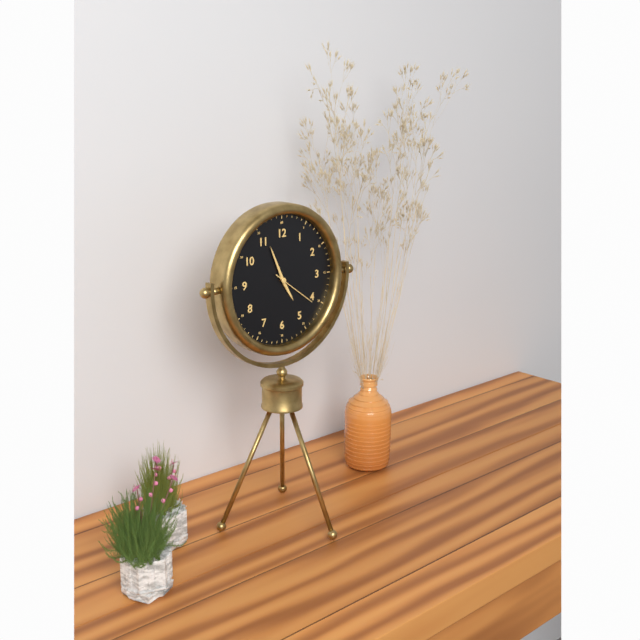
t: 4:56
